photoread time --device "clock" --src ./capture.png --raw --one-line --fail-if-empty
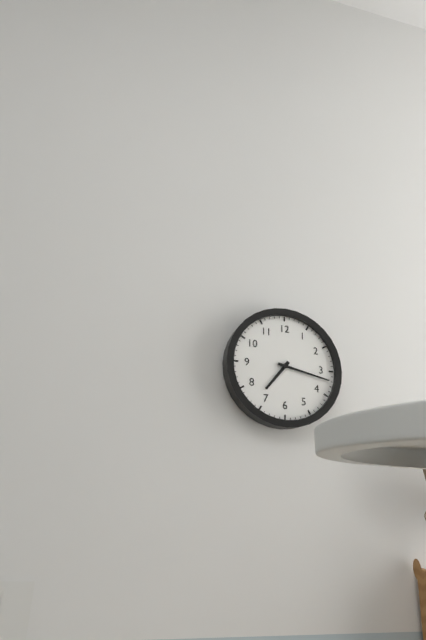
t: 7:17
